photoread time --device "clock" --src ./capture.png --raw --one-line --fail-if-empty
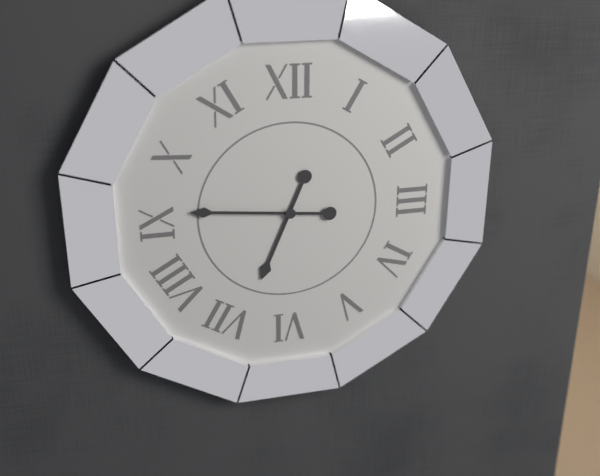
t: 6:46
